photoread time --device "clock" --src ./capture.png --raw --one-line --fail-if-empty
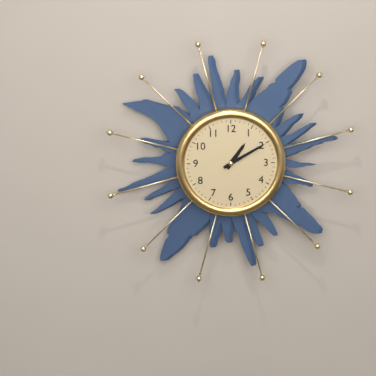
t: 1:10
